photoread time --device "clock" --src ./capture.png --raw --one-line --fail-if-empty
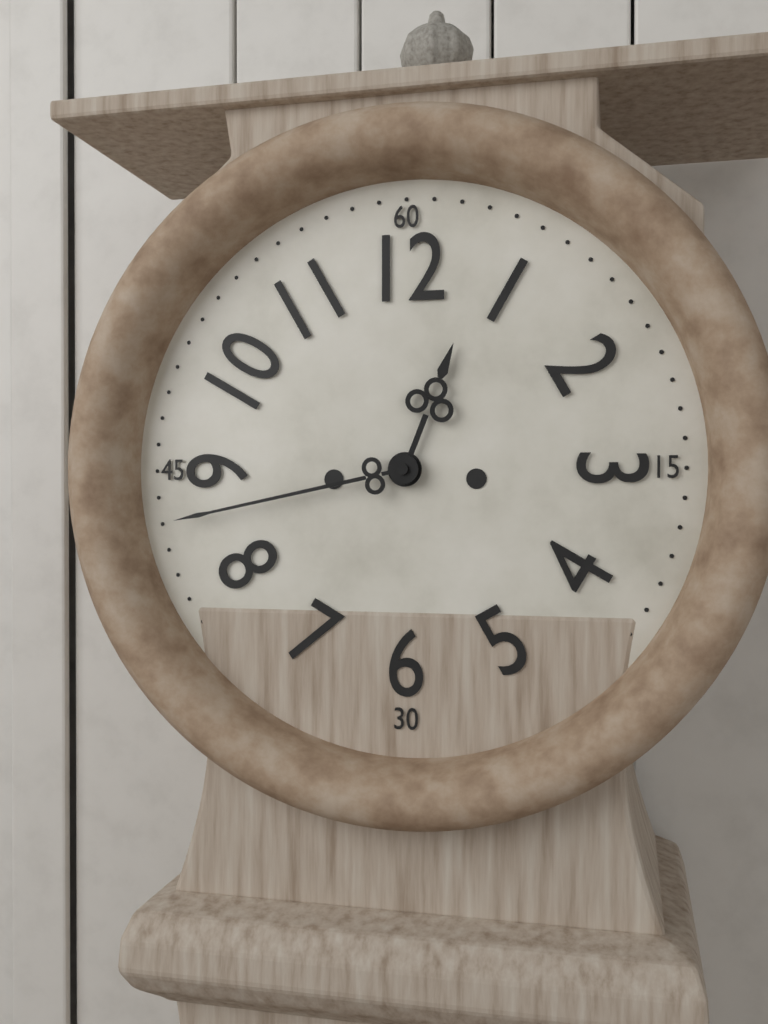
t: 12:43
